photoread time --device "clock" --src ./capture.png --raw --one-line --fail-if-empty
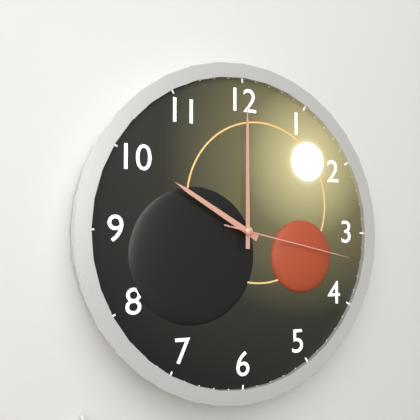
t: 10:00:17
